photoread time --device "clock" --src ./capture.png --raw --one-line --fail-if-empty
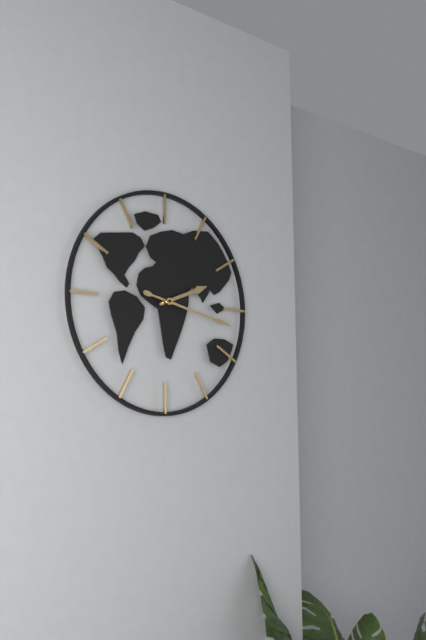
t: 2:17
